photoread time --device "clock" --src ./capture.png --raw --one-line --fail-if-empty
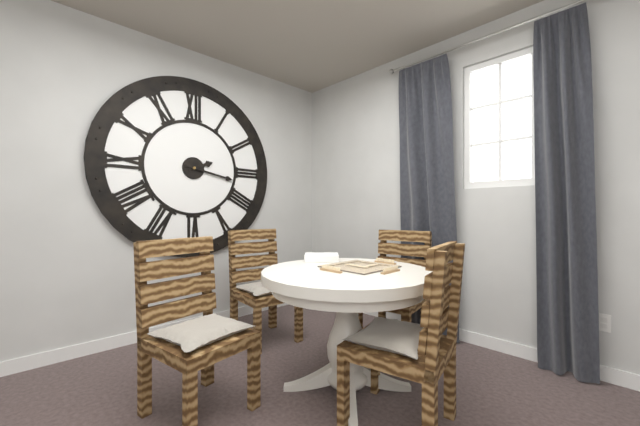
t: 2:17
